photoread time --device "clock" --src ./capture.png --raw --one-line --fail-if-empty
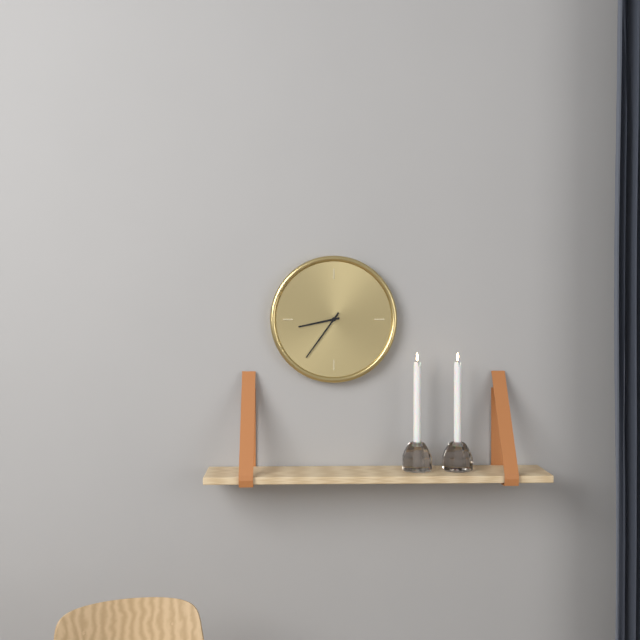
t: 8:36
